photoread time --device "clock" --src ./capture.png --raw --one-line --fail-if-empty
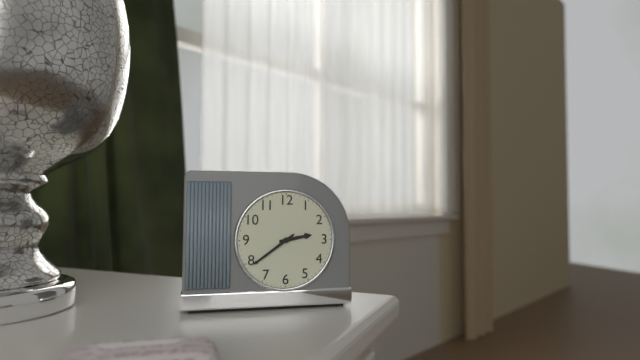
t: 2:39
